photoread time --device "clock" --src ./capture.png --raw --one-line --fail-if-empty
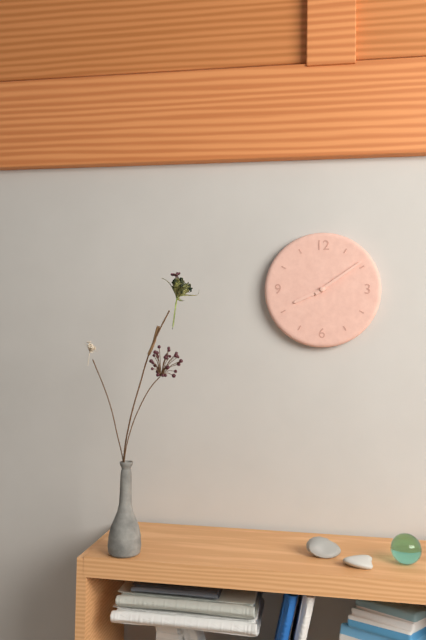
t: 8:09
